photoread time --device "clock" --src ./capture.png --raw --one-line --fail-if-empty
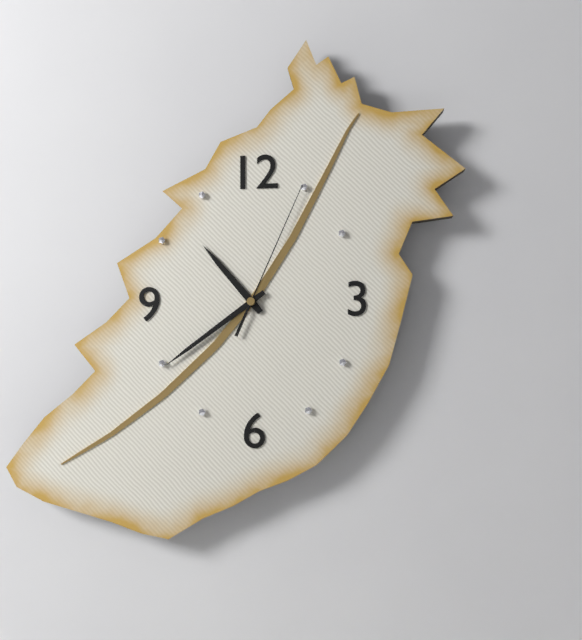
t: 10:39:04
